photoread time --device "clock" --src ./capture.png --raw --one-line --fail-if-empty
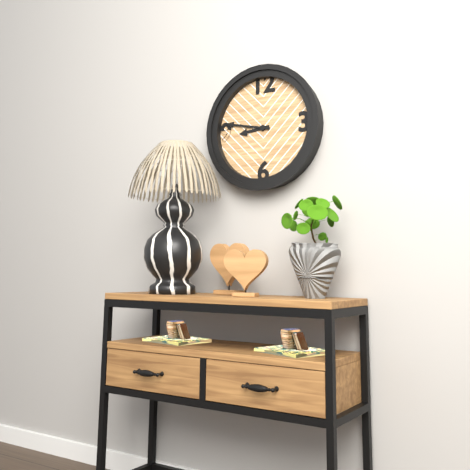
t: 8:47
